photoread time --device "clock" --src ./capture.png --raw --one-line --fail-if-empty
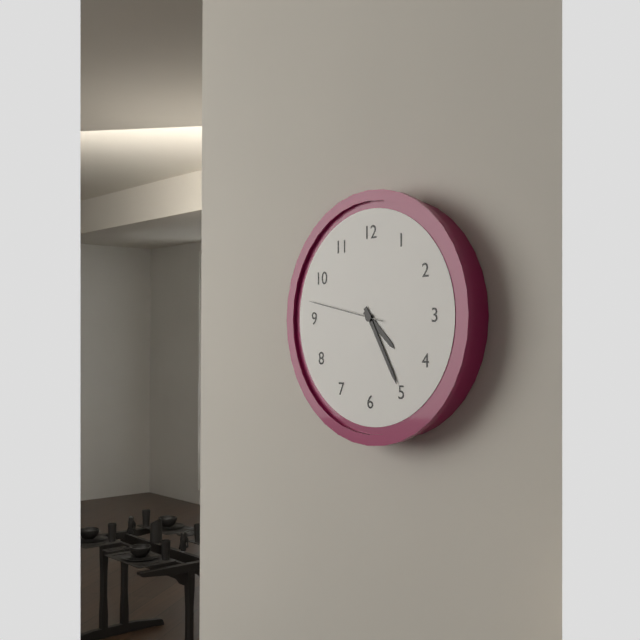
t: 4:25:47
